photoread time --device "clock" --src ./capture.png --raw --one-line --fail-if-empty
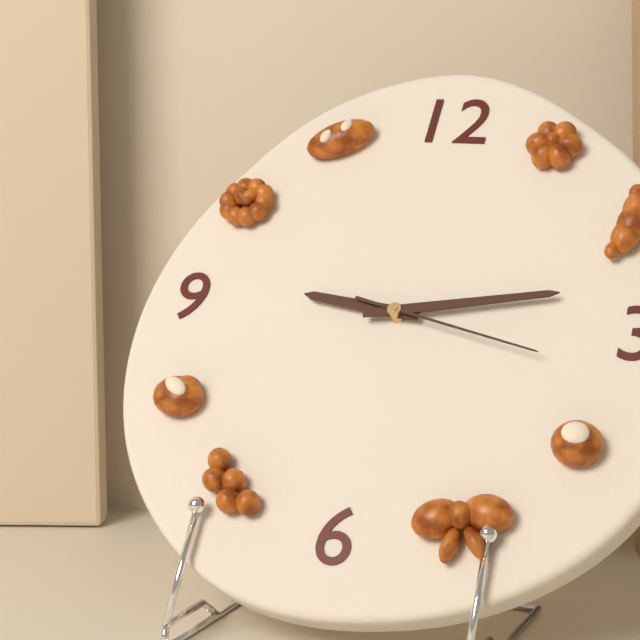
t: 9:13:17
